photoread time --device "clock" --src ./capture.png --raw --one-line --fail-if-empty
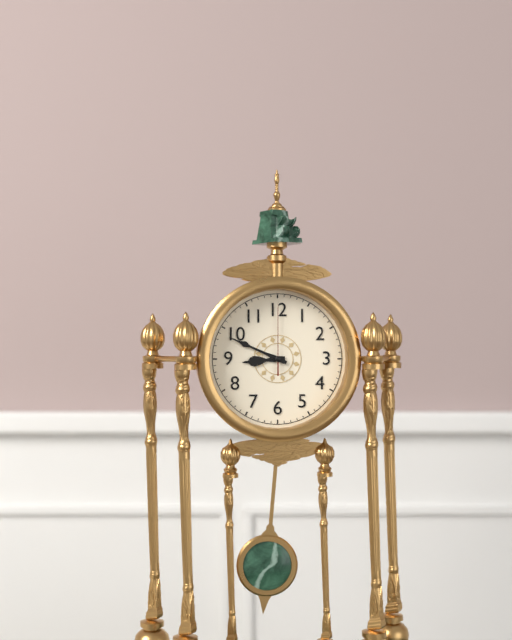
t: 8:49:00
